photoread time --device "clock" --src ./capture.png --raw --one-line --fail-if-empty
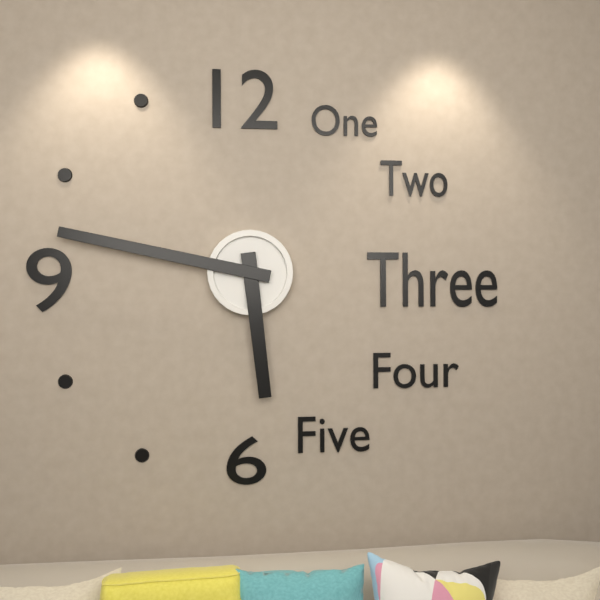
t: 5:47
